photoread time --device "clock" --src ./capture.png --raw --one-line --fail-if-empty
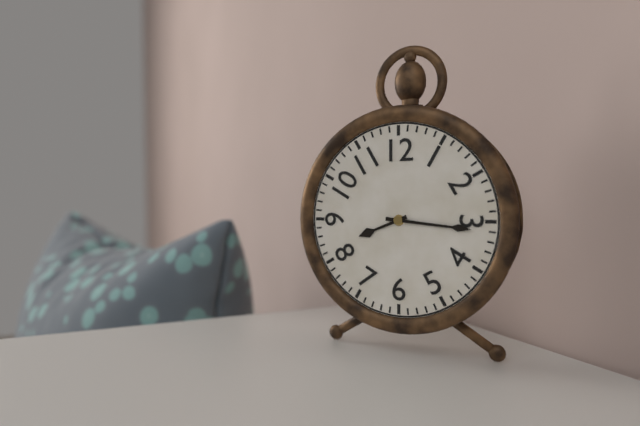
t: 8:16
